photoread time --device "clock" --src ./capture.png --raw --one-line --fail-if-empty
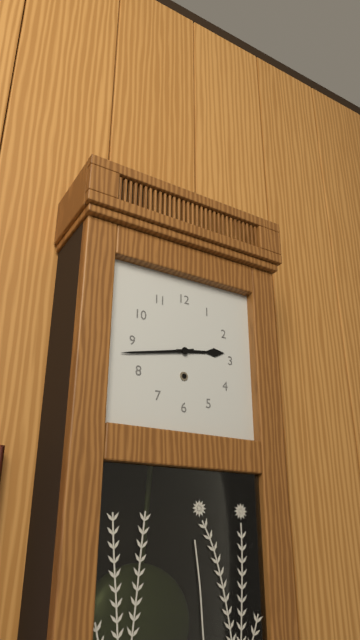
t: 2:43
